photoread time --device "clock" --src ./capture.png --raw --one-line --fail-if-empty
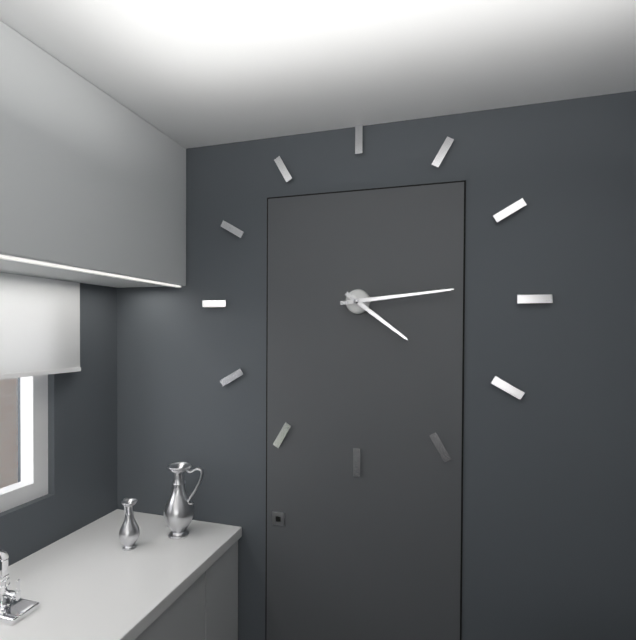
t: 4:14
